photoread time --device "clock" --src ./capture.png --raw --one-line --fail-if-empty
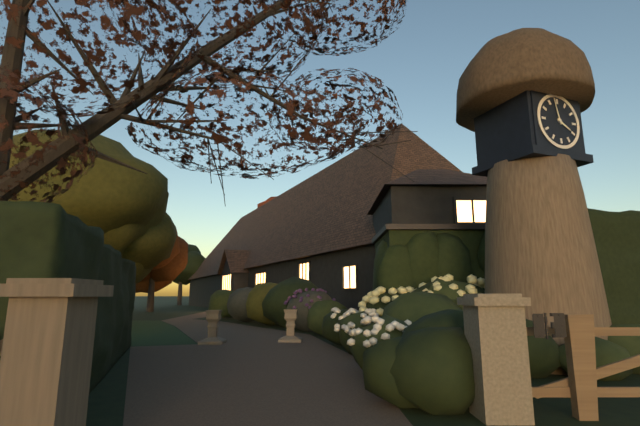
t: 3:58
